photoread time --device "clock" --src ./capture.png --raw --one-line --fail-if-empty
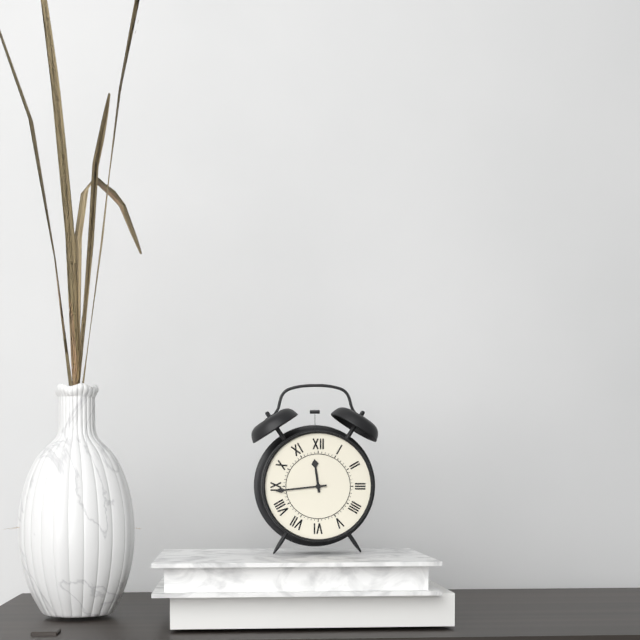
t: 11:44
